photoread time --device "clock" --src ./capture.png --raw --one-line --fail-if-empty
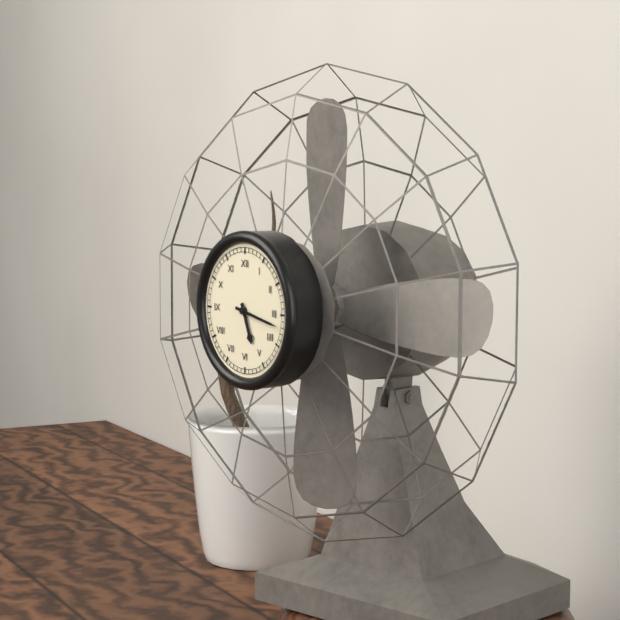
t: 5:17
